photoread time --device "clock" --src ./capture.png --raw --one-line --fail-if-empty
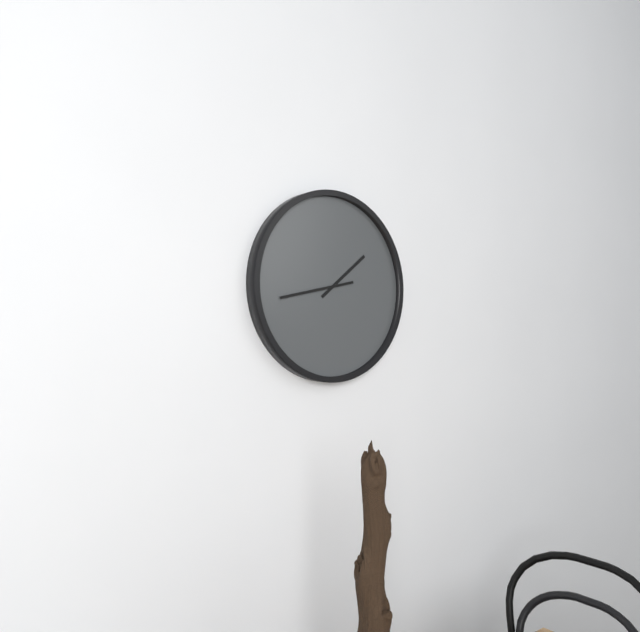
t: 1:43
